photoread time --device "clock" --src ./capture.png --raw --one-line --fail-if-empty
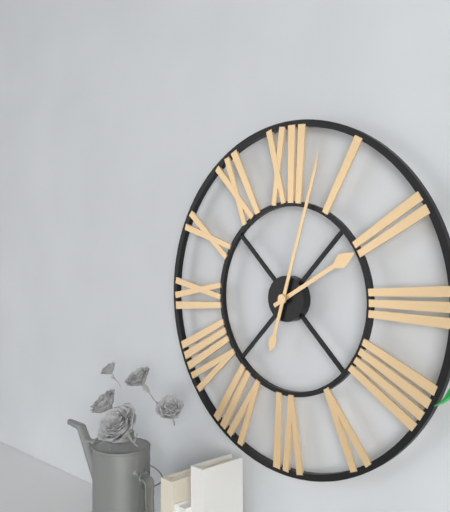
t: 2:03
